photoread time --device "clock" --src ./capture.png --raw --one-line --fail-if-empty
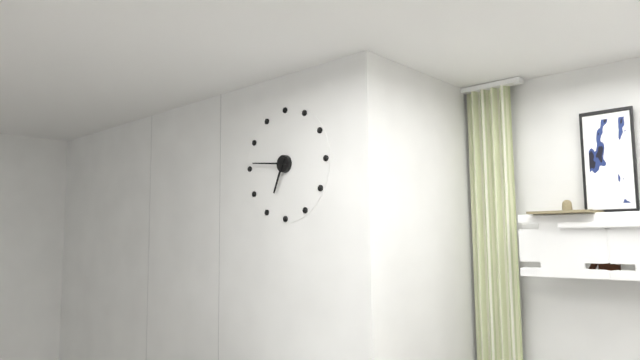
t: 6:46
